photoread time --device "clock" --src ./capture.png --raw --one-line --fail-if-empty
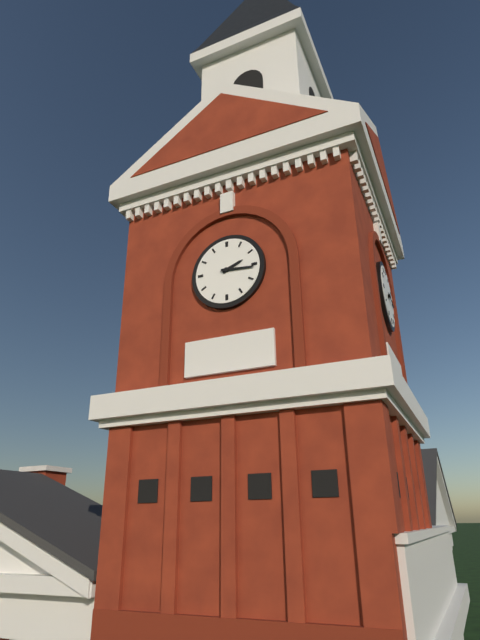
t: 2:16
